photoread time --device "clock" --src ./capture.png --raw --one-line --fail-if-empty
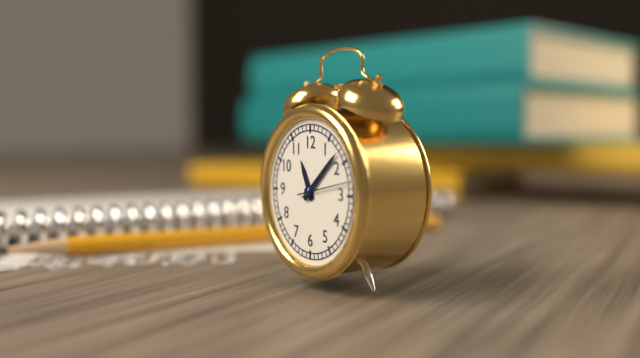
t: 11:08
